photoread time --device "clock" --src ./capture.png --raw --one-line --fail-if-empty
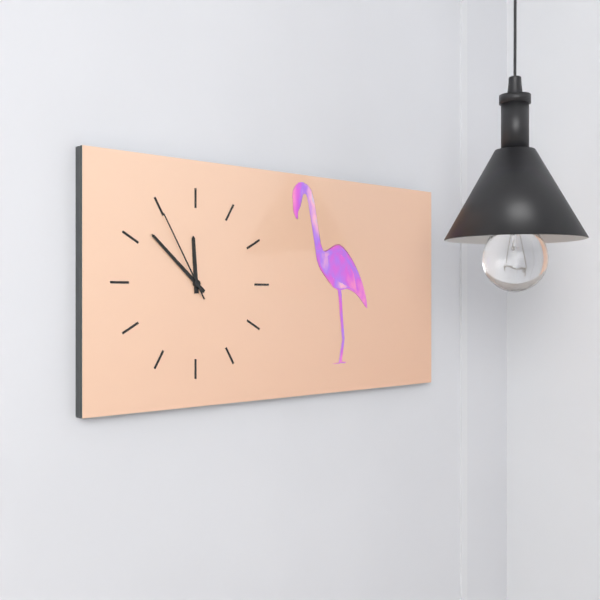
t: 11:52:55
